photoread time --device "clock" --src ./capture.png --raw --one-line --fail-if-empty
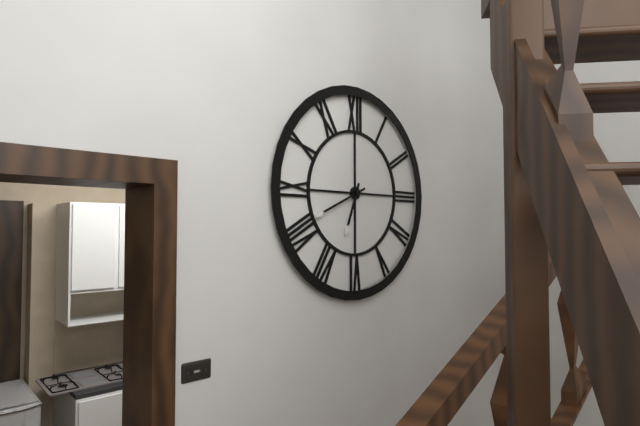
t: 6:41
